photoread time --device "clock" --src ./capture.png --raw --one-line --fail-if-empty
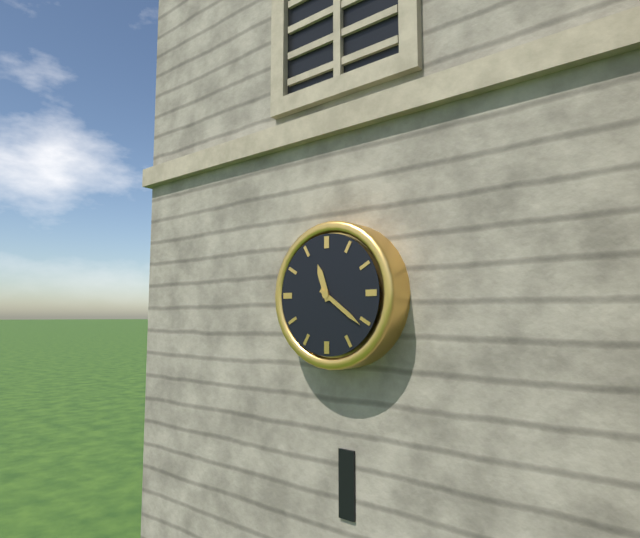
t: 11:21
